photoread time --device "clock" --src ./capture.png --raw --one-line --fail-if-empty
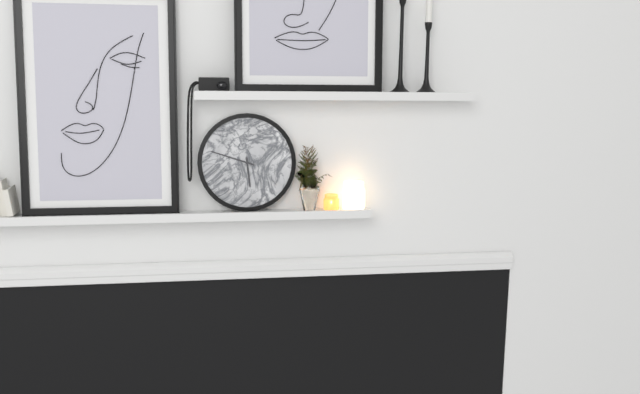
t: 5:48
